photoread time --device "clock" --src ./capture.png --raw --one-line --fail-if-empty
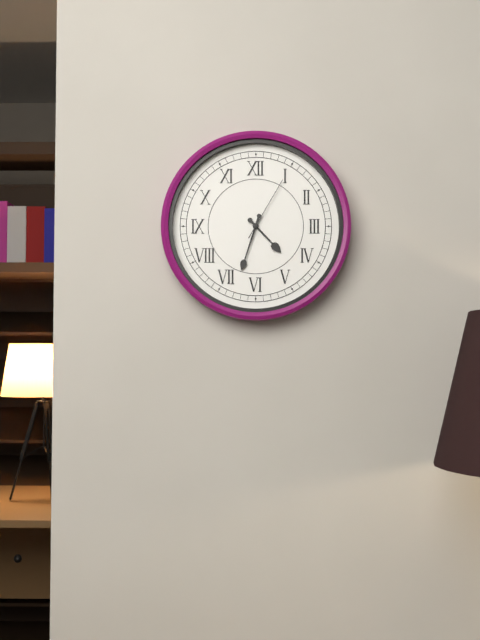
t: 4:33:05
